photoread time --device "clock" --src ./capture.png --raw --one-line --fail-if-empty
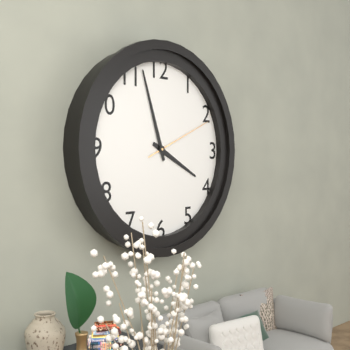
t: 3:57:11
